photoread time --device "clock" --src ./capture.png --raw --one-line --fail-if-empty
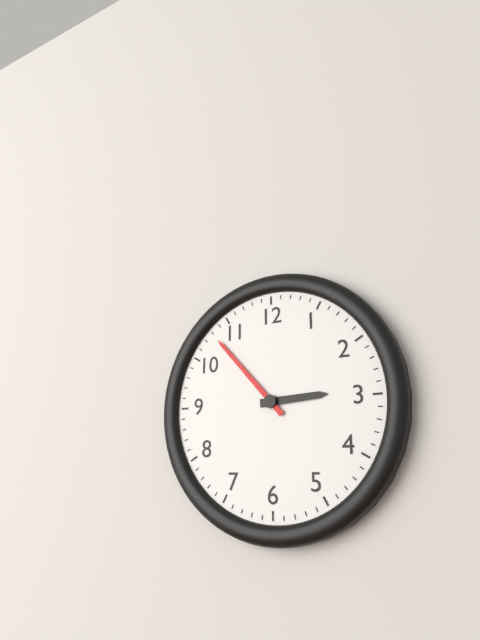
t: 2:53
